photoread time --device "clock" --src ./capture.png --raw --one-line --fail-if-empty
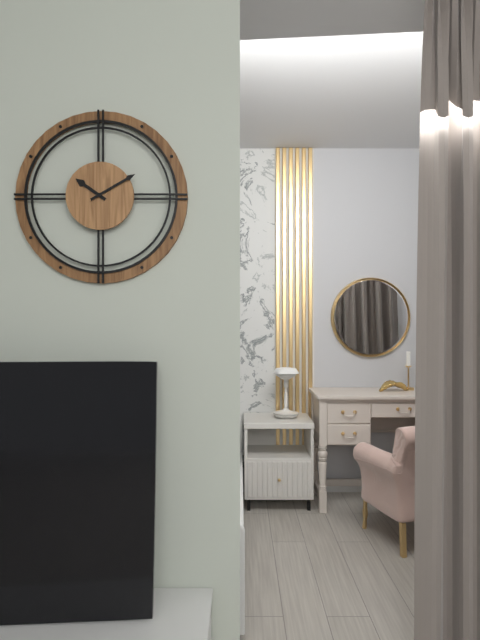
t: 10:10
